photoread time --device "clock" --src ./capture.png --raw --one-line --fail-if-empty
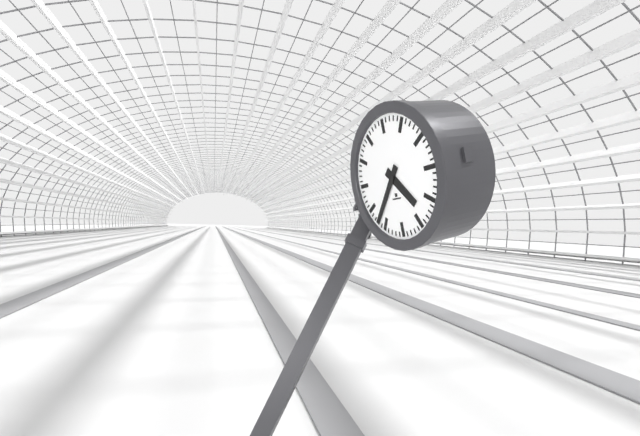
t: 4:37
